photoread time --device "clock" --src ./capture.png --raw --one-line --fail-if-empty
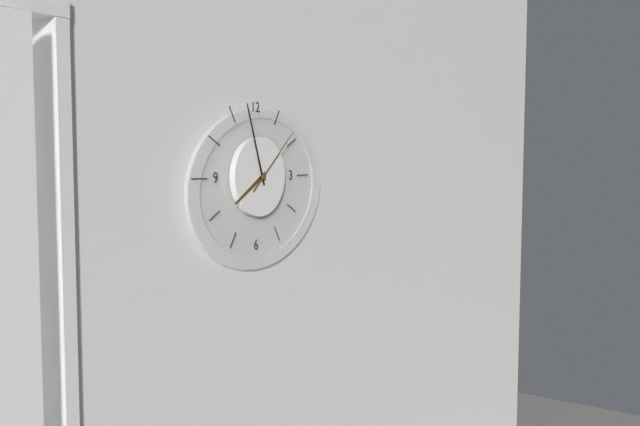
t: 7:57:08
